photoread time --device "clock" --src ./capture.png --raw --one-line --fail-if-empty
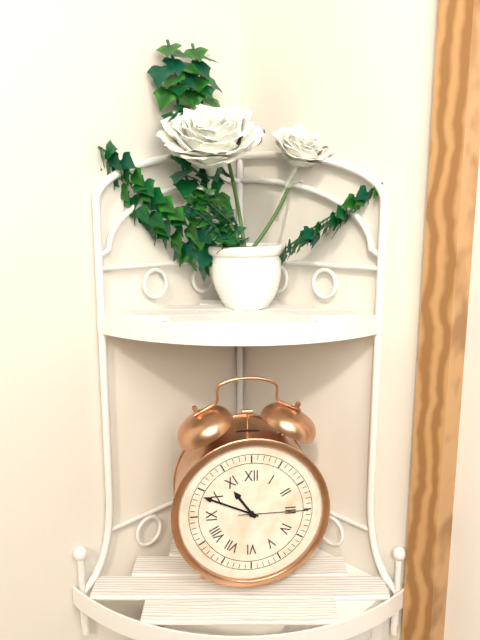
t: 10:49:15
